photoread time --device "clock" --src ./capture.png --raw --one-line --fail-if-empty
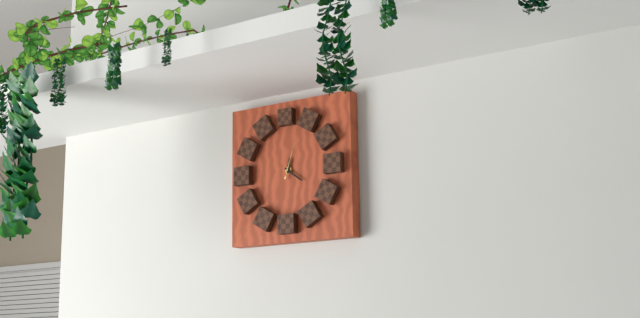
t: 12:21
